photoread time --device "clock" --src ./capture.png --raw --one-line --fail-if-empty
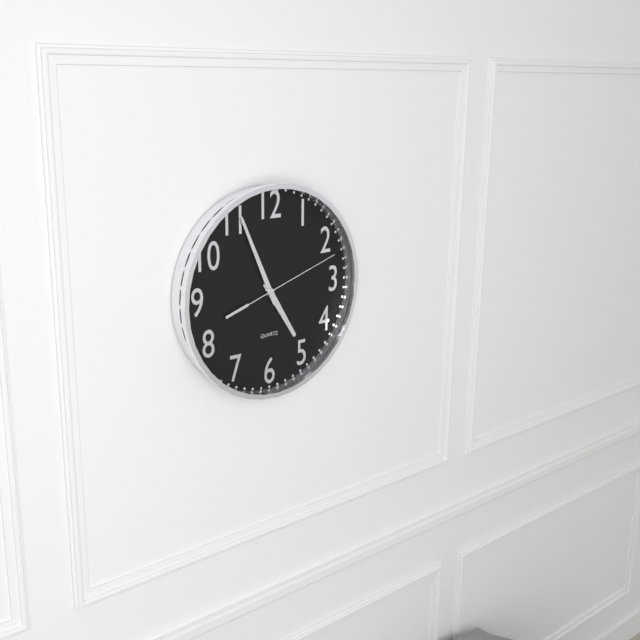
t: 4:56:12
